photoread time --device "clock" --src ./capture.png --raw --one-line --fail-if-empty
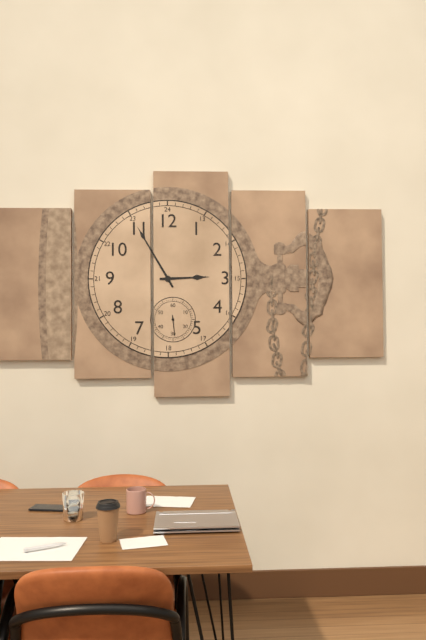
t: 2:55
